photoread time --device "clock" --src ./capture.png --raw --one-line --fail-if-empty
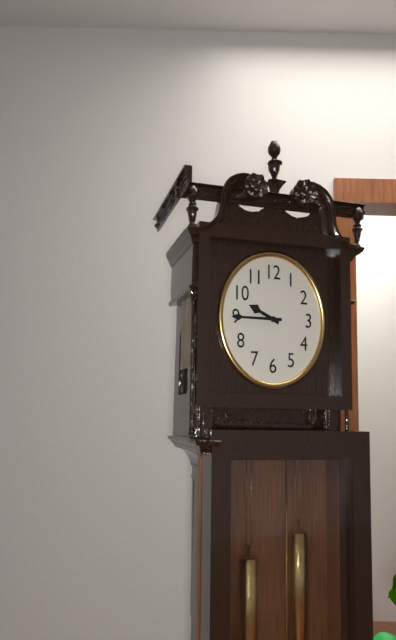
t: 9:45
